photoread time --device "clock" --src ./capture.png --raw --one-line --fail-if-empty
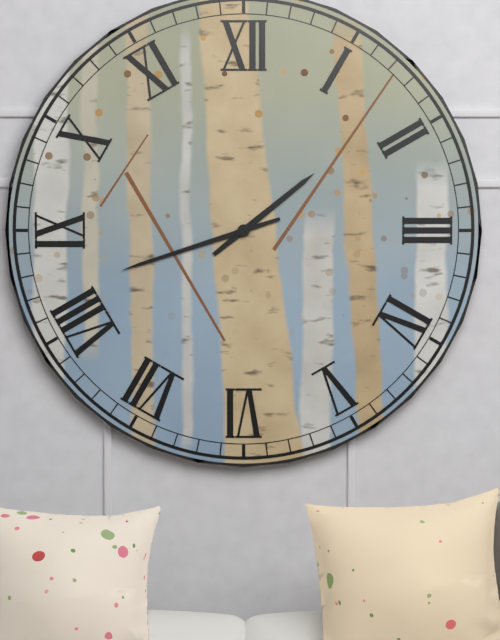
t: 1:42
